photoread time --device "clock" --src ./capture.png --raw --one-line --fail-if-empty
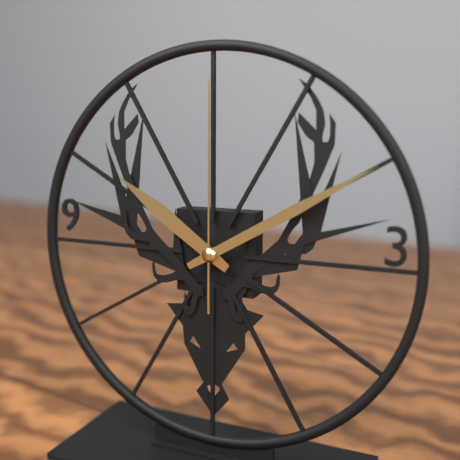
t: 10:10:00
